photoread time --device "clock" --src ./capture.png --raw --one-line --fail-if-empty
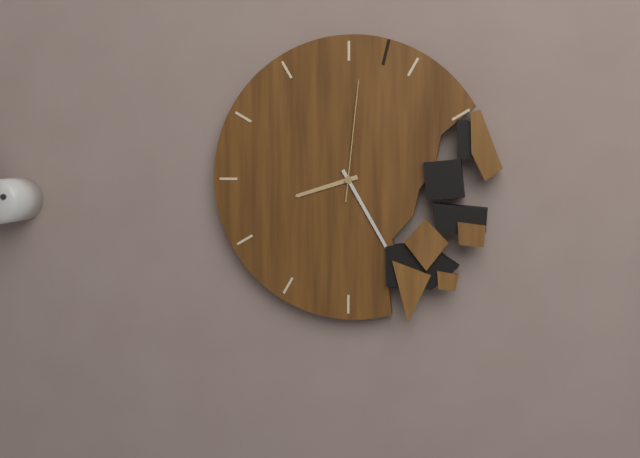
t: 8:25:01
